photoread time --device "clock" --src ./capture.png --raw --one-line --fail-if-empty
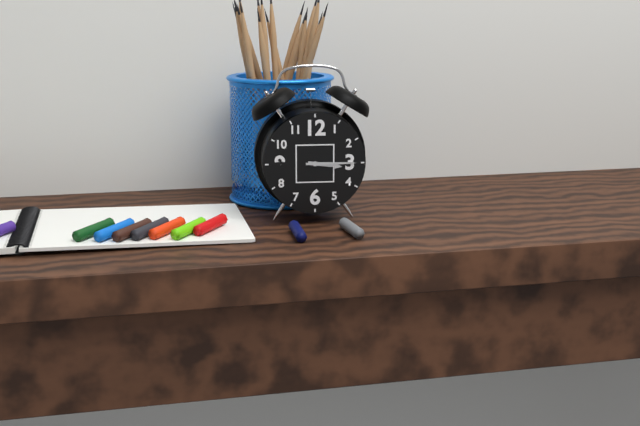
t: 3:15
